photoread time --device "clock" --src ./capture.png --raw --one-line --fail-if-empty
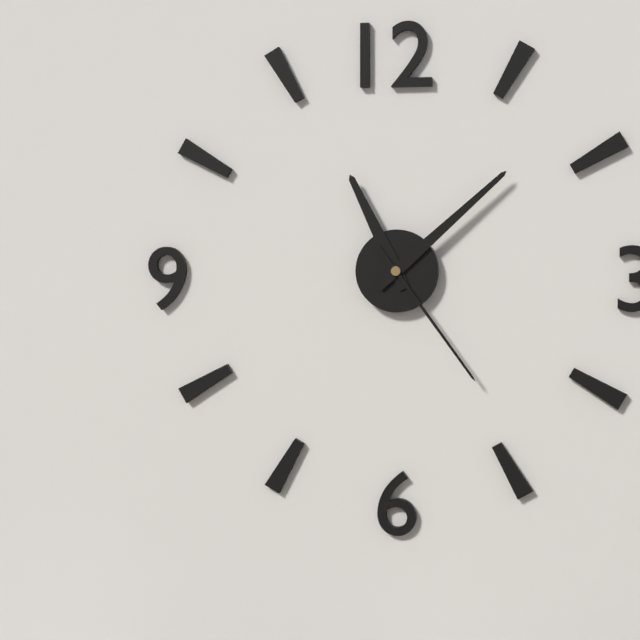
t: 11:08:24
